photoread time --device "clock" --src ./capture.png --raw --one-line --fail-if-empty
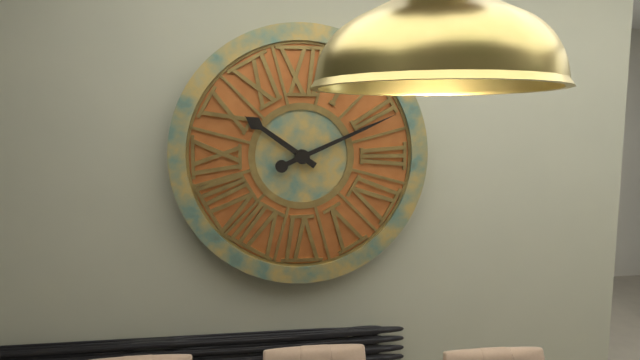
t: 10:11
